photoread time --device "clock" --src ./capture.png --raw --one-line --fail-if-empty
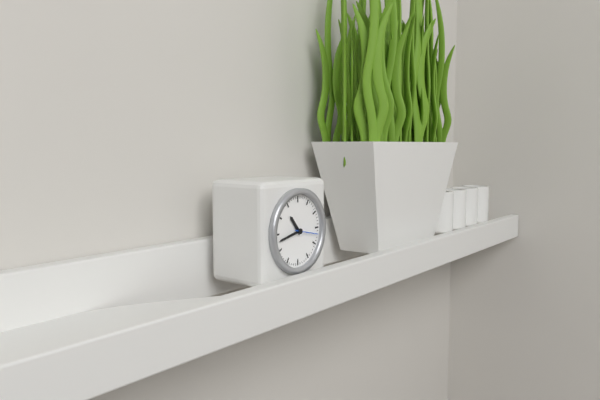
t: 10:43
